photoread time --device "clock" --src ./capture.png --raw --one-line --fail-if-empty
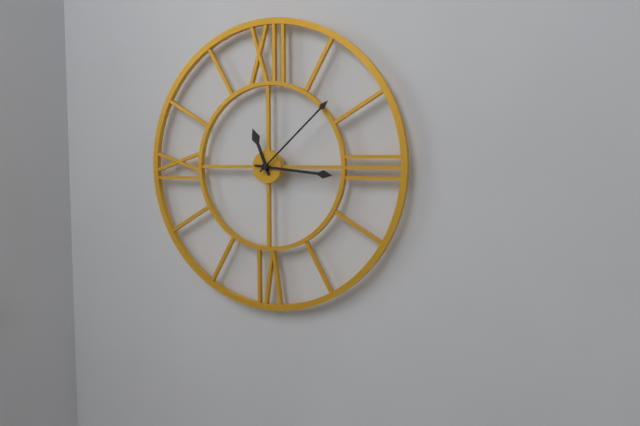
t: 11:16:08
